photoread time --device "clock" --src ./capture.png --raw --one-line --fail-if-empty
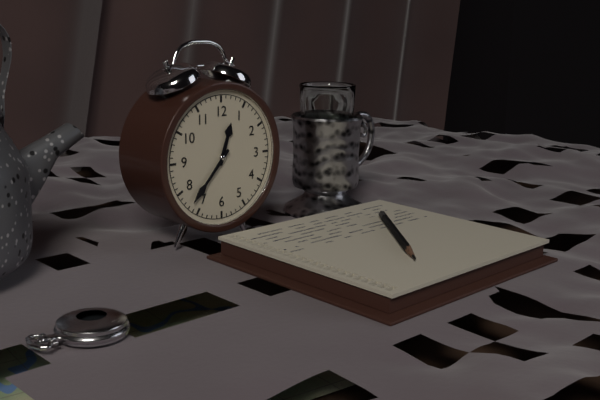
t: 12:37
